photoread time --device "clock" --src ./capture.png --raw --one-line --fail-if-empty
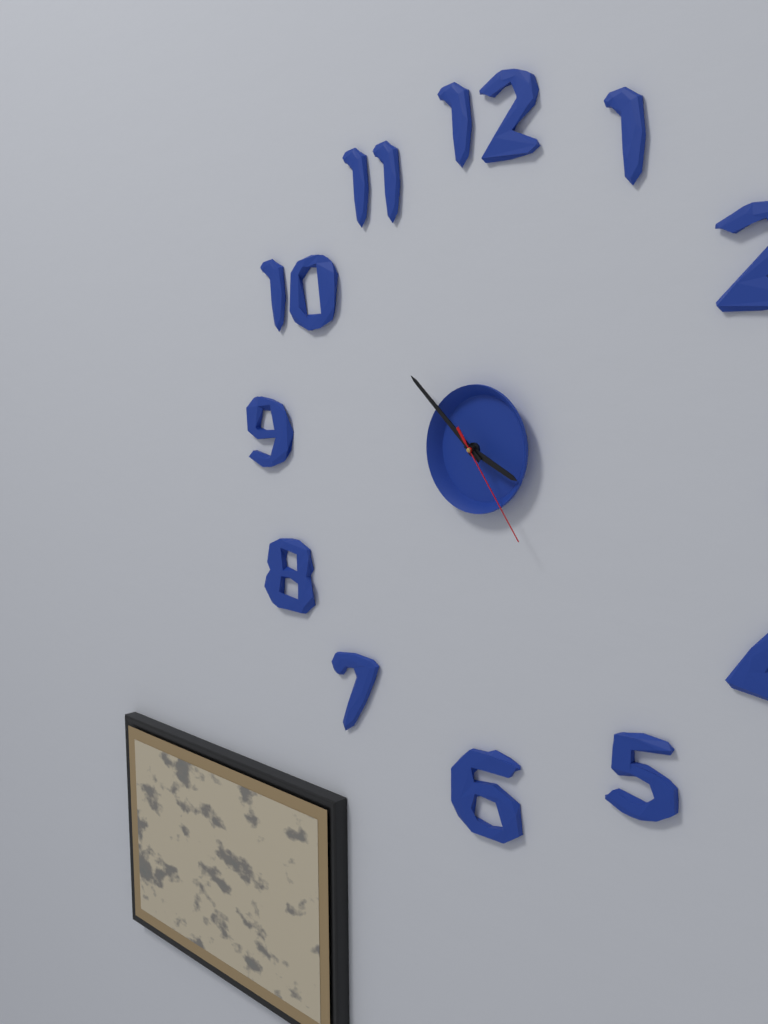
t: 3:52:24
